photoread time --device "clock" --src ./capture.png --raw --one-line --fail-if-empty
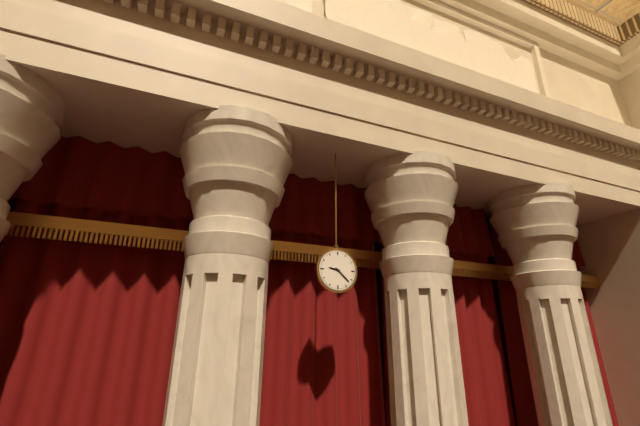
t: 9:22
